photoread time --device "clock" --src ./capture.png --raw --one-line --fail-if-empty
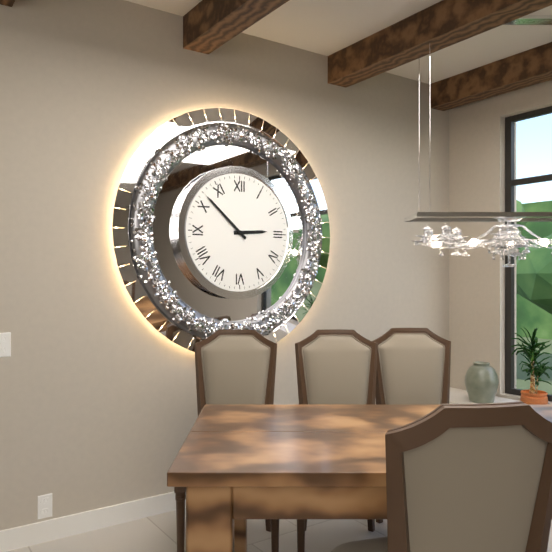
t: 2:52
